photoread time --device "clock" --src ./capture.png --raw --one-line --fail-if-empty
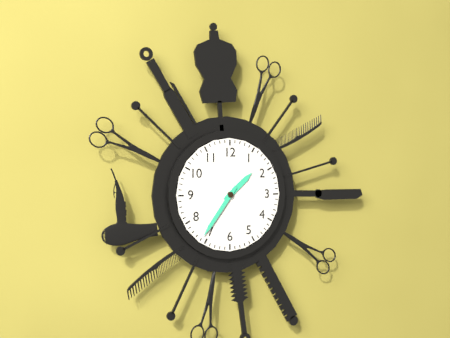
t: 1:36
